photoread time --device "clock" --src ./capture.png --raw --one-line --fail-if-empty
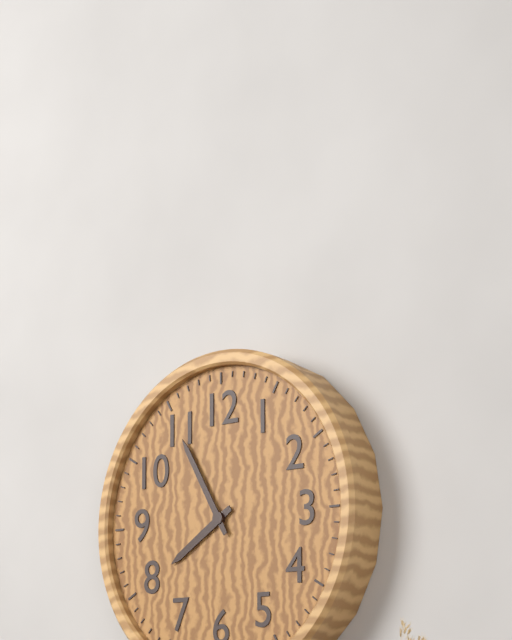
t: 7:55
